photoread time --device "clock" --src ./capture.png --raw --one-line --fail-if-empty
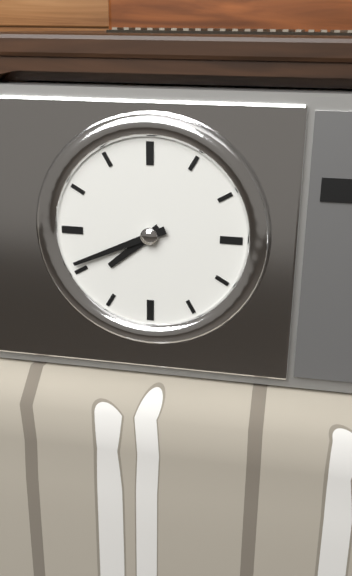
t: 7:41
